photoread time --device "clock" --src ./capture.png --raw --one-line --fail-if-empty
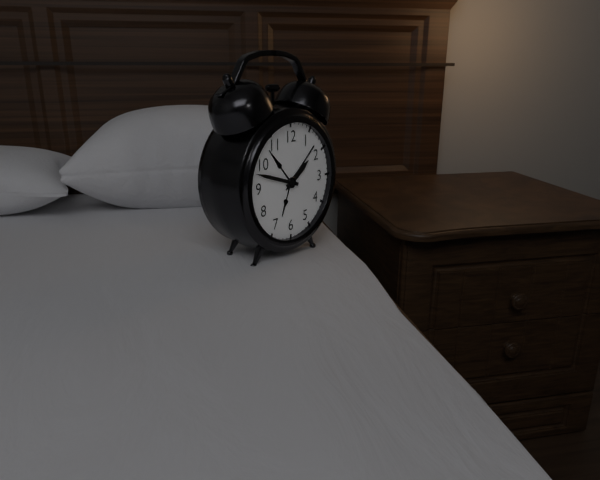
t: 1:48
